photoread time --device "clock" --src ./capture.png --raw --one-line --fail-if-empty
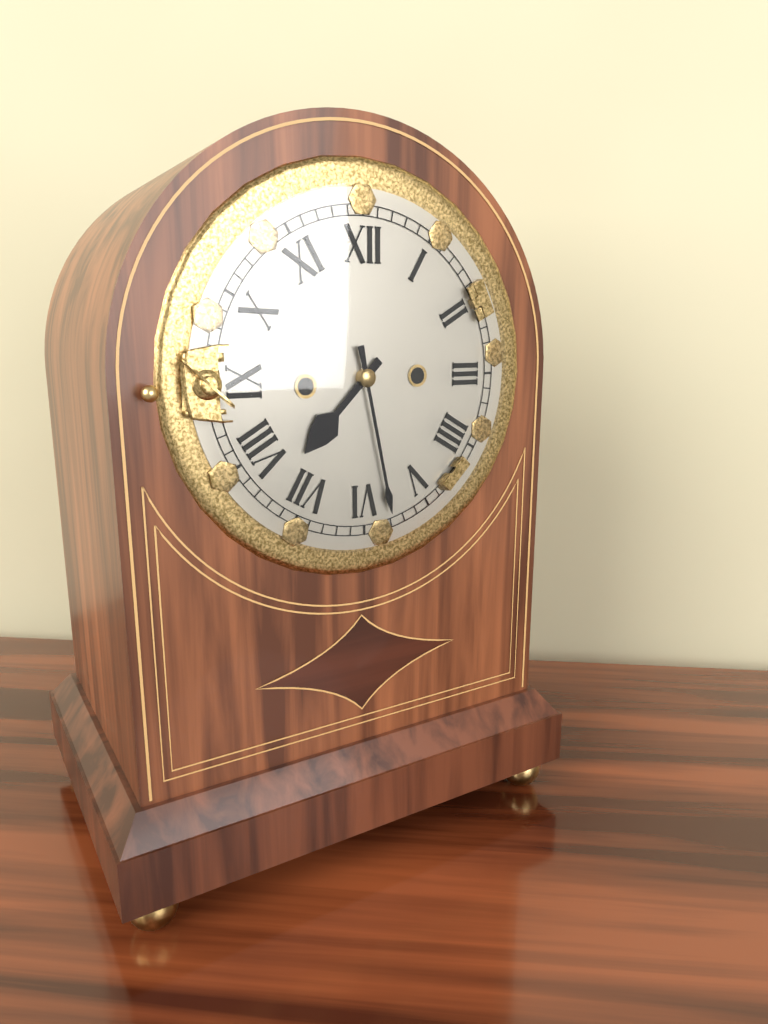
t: 7:28
